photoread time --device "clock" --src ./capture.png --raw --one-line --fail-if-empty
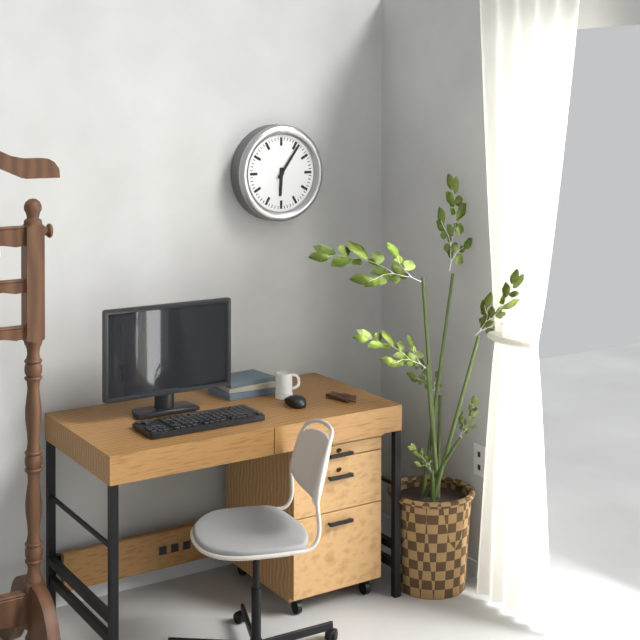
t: 6:06
